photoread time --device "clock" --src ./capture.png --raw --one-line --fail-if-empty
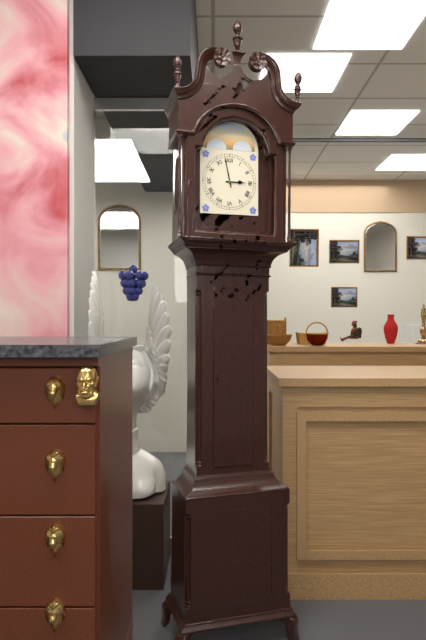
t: 2:58
